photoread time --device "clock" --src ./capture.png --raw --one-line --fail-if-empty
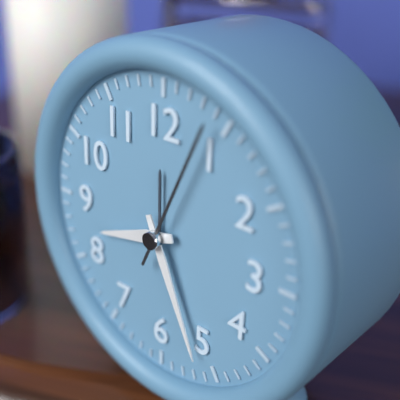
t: 8:26:04
